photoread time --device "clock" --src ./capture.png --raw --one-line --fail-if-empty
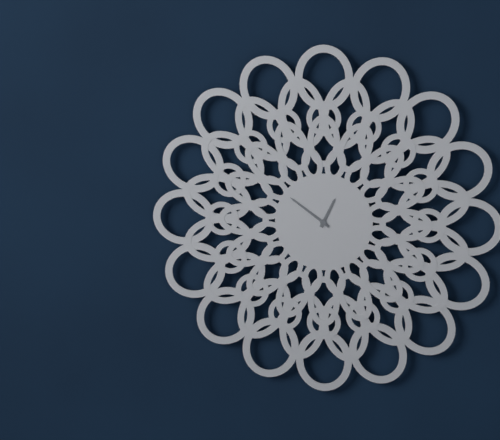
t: 12:51
